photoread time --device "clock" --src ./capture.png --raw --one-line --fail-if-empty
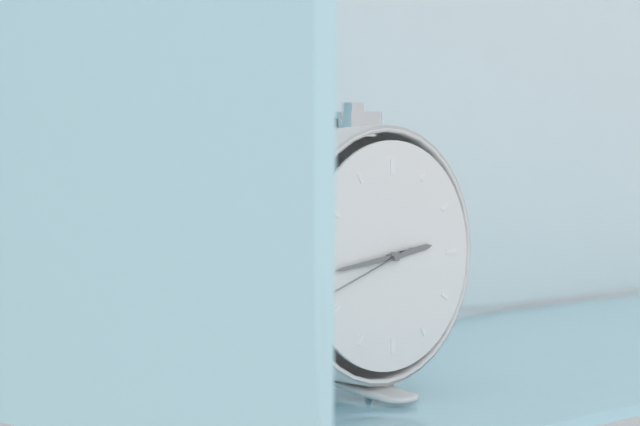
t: 2:44:42
